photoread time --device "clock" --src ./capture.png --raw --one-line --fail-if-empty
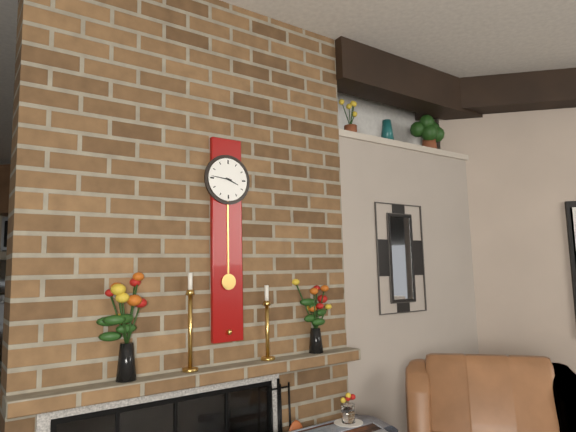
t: 3:46
